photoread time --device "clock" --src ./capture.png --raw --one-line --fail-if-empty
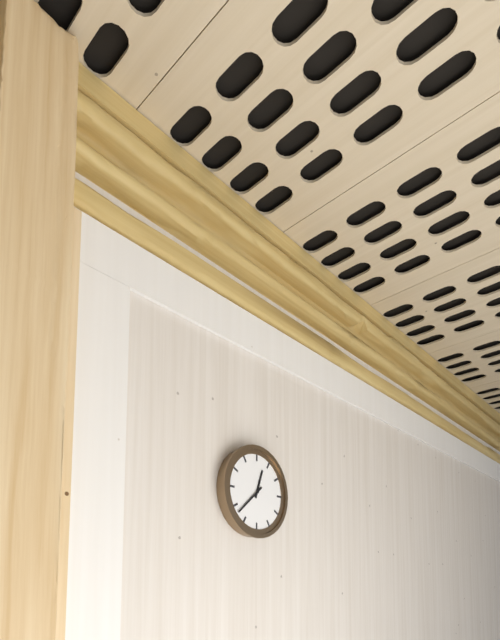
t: 12:38
